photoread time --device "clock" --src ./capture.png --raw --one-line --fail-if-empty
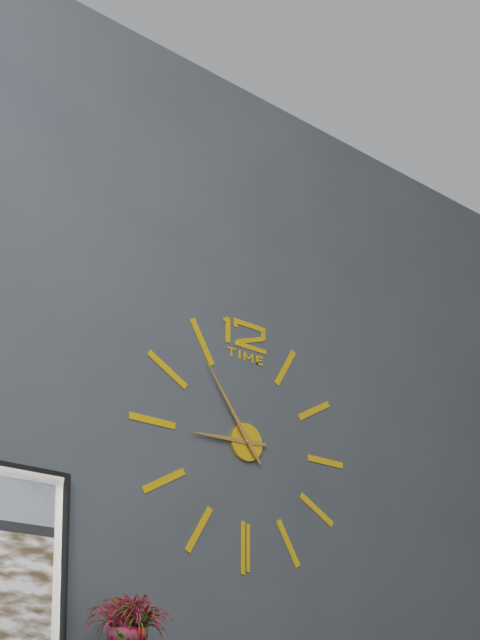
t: 8:54
